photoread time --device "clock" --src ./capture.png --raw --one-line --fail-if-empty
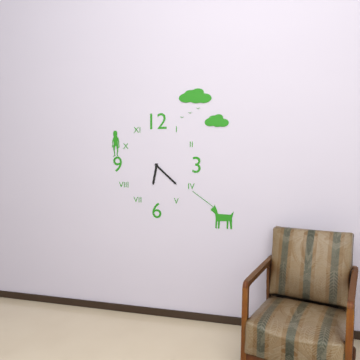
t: 6:22
